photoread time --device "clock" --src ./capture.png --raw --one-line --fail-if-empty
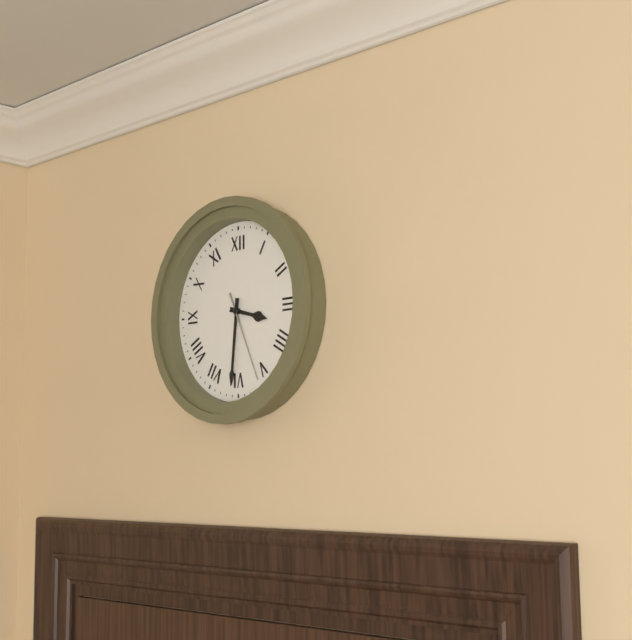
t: 3:31:26
